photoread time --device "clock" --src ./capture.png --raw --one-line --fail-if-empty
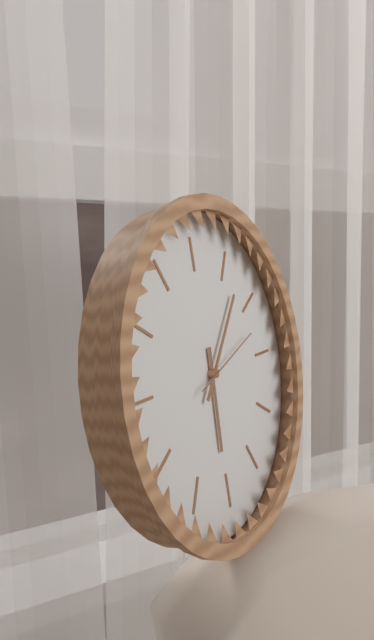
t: 6:07:12
